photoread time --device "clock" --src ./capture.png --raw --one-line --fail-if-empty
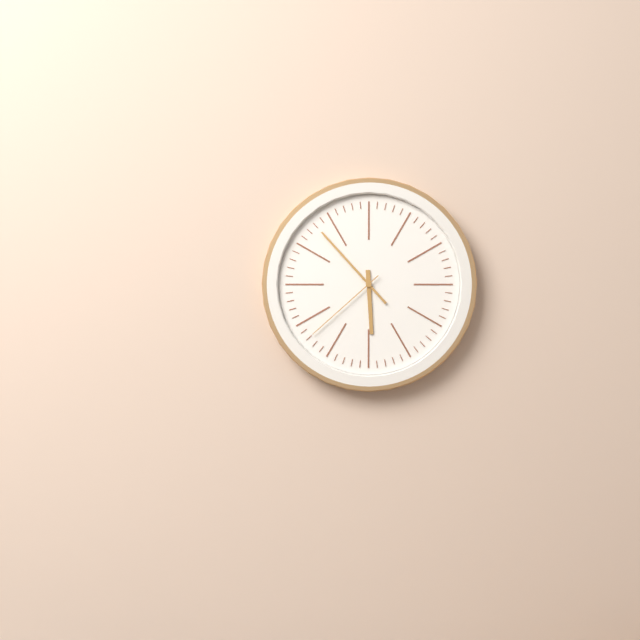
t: 5:53:38
